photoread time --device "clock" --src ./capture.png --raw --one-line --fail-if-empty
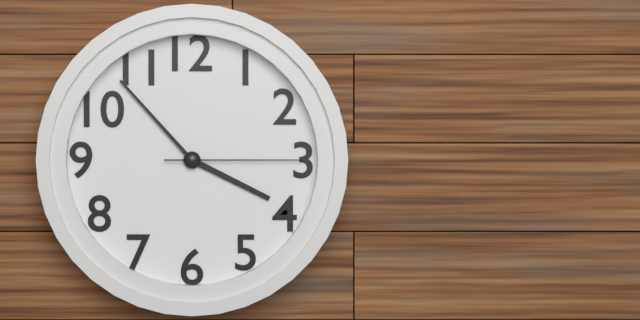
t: 3:53:15
